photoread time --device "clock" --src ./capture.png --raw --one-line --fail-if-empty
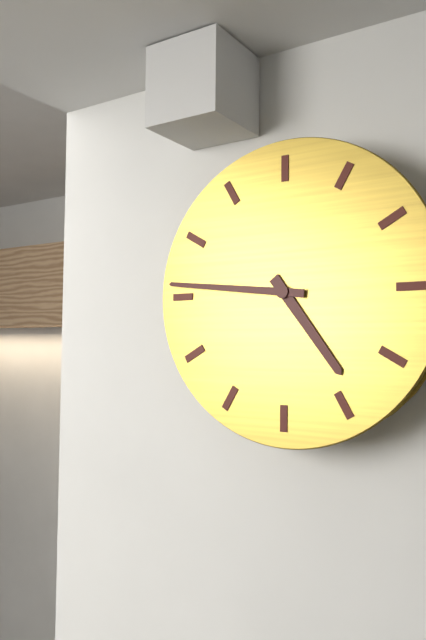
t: 4:46
